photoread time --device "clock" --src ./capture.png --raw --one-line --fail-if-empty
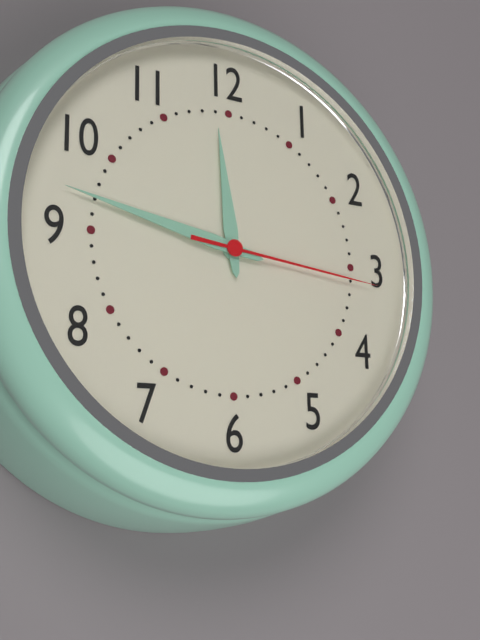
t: 11:47:16
